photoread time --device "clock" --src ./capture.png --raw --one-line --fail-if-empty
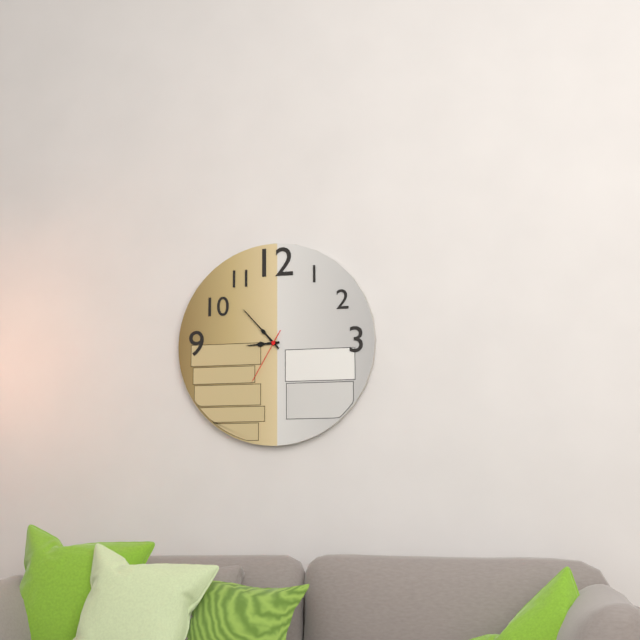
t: 8:53:35
